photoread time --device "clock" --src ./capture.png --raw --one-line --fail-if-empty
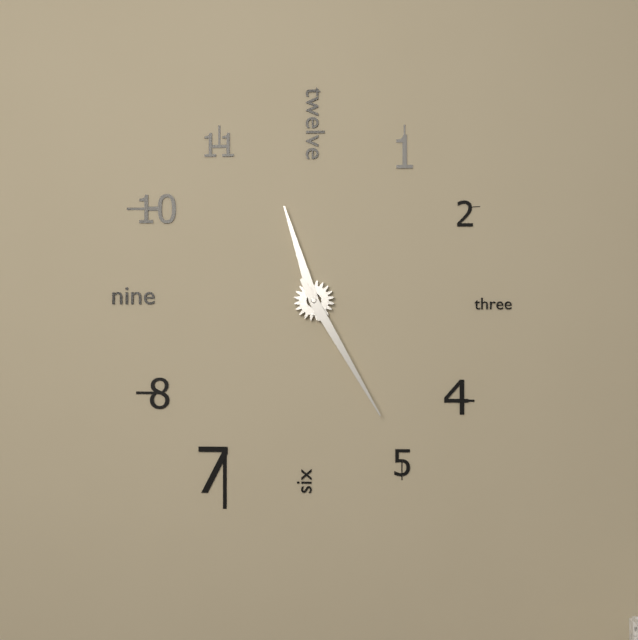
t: 11:25
